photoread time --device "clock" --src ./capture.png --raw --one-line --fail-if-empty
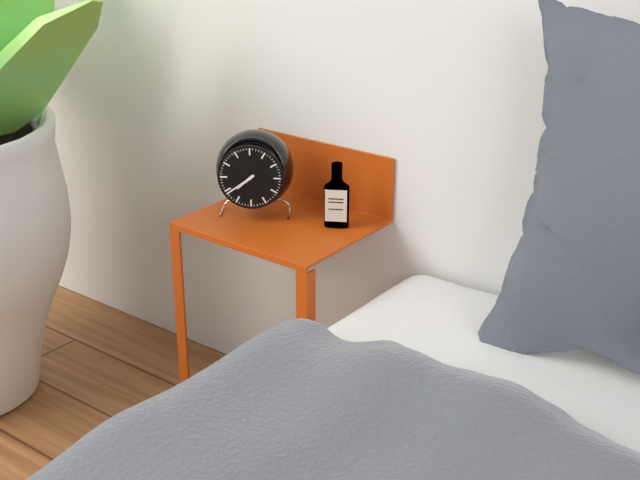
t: 7:39
